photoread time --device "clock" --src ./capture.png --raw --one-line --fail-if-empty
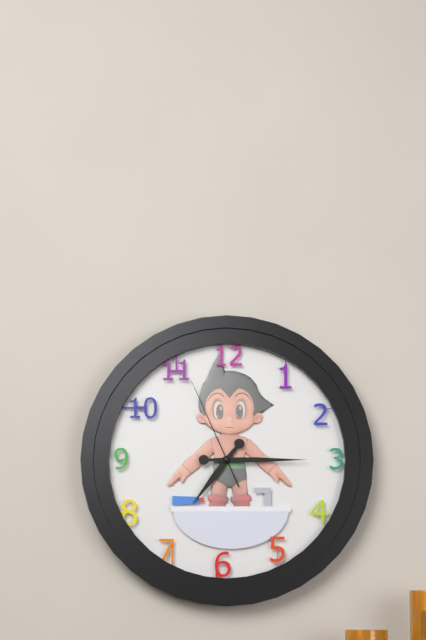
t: 7:15:56
